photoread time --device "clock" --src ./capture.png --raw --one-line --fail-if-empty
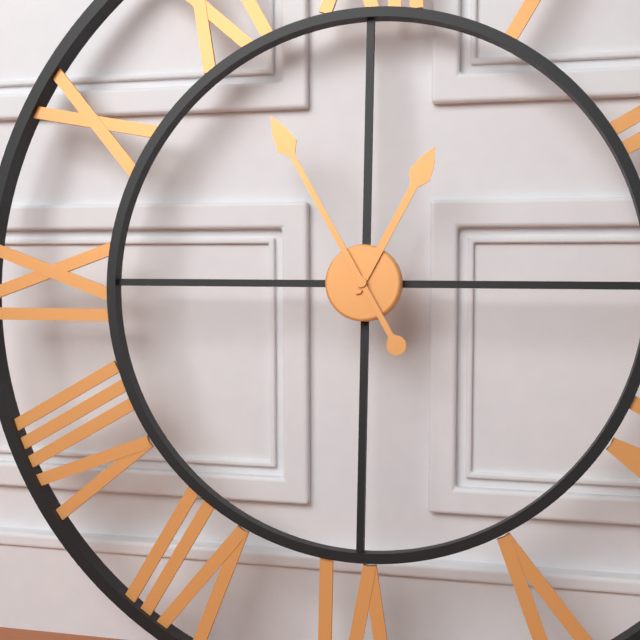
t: 12:55
